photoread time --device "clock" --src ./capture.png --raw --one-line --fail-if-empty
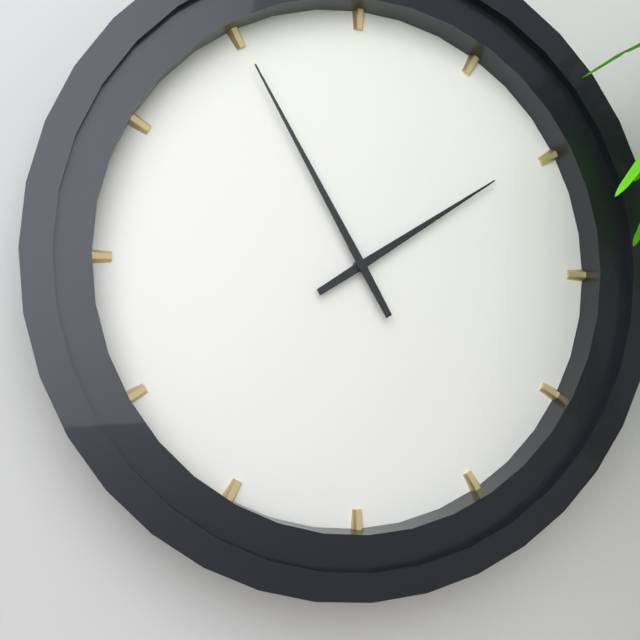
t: 1:55
